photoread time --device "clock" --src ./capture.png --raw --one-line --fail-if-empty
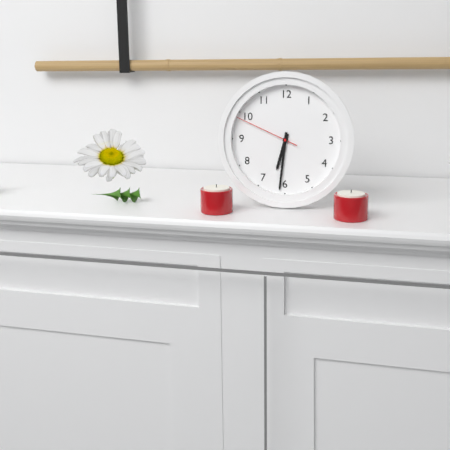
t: 6:31:49
